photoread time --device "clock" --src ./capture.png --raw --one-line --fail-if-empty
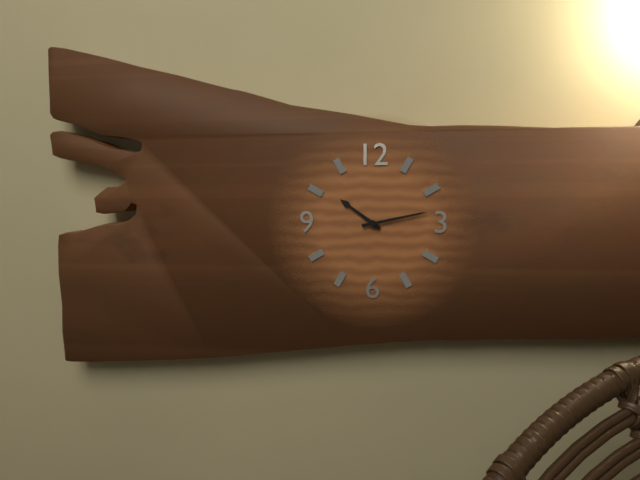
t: 10:13
